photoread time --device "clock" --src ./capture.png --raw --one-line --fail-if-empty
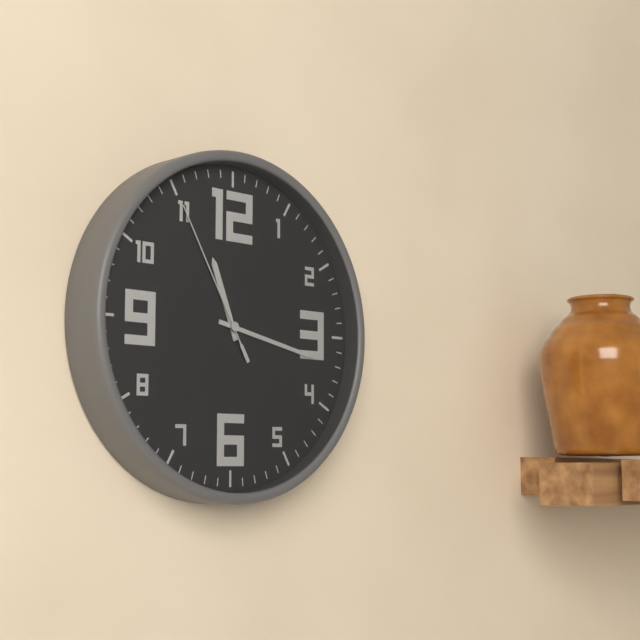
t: 11:17:55
